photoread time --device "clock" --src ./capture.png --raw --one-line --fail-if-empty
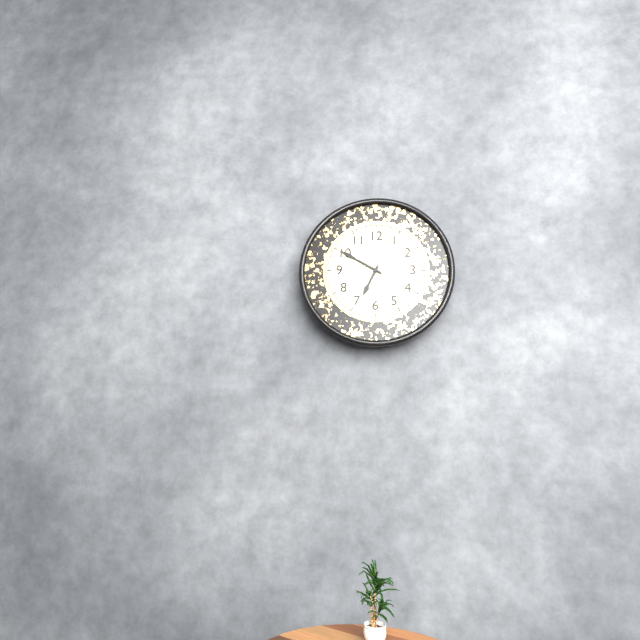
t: 6:50
